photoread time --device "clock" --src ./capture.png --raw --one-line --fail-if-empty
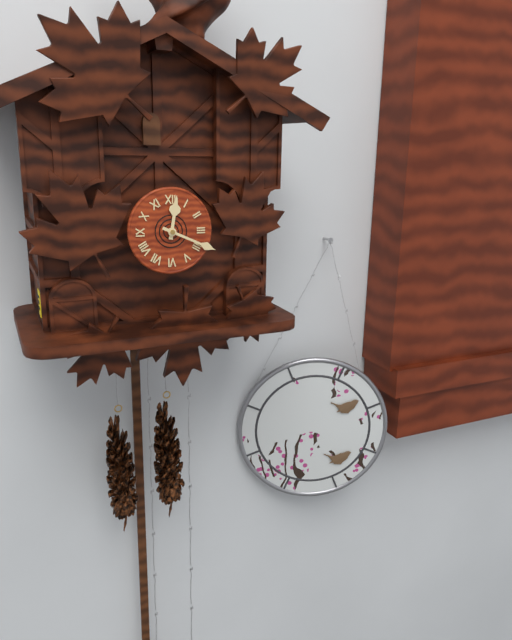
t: 12:19
